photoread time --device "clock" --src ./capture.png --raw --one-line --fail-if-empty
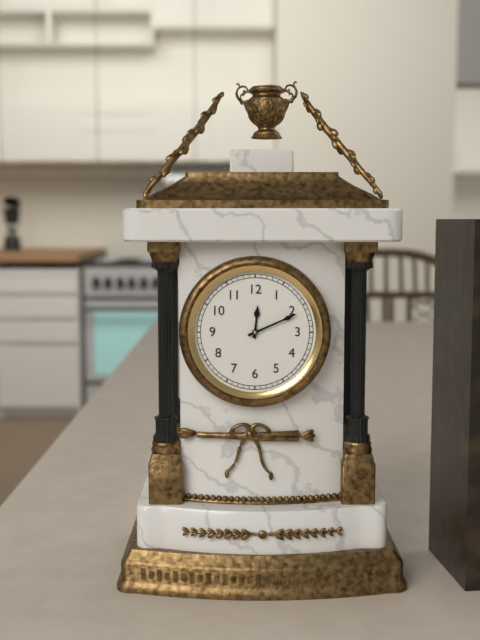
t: 12:11
